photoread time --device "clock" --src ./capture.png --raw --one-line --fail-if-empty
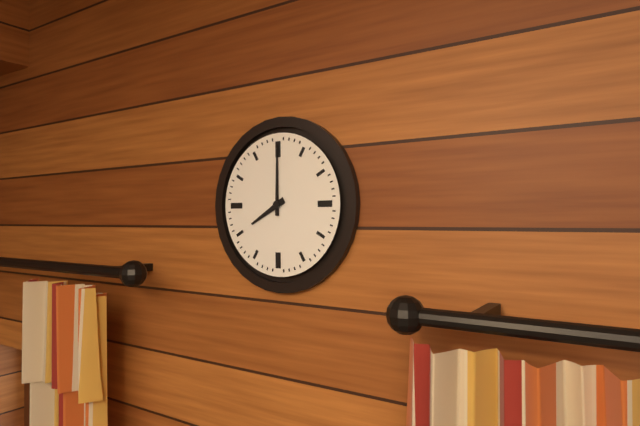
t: 8:00
